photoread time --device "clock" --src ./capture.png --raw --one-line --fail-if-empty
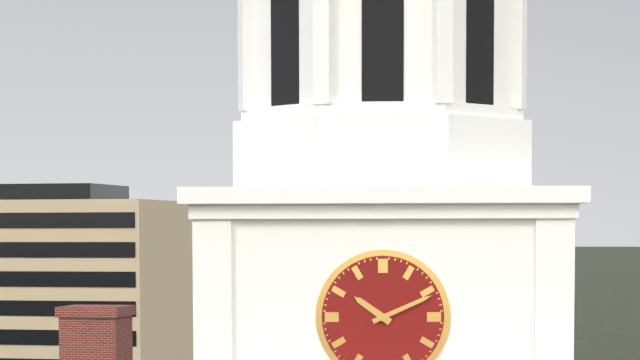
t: 10:11
